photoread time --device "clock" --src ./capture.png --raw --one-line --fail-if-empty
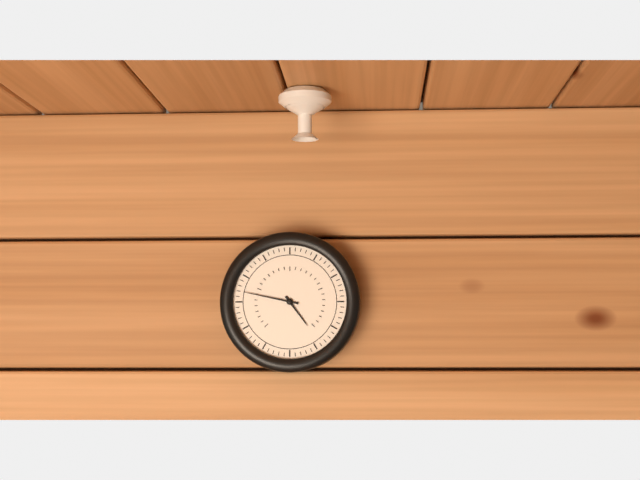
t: 4:47
